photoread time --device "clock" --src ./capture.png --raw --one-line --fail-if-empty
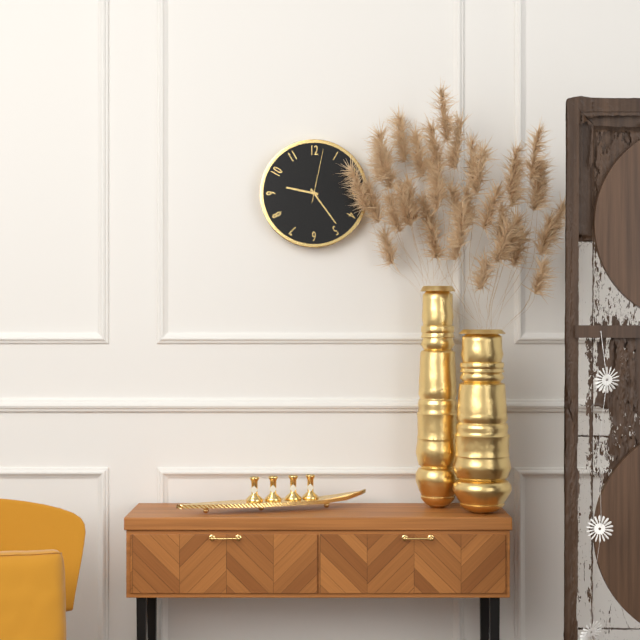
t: 9:24:02
